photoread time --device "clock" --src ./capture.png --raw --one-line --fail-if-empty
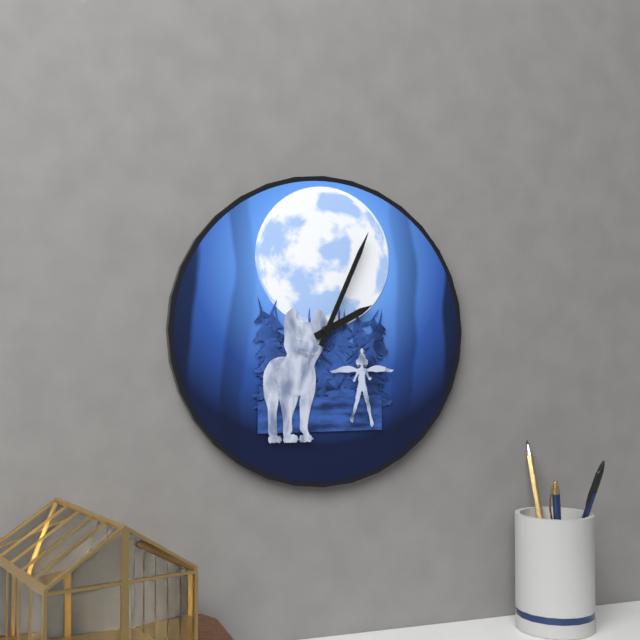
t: 2:04
